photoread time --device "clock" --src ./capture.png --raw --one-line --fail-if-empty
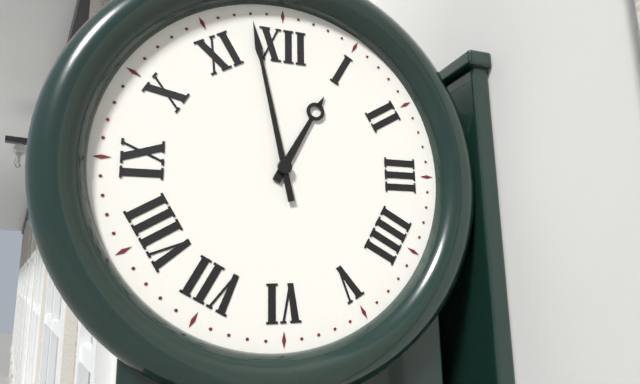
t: 12:58
